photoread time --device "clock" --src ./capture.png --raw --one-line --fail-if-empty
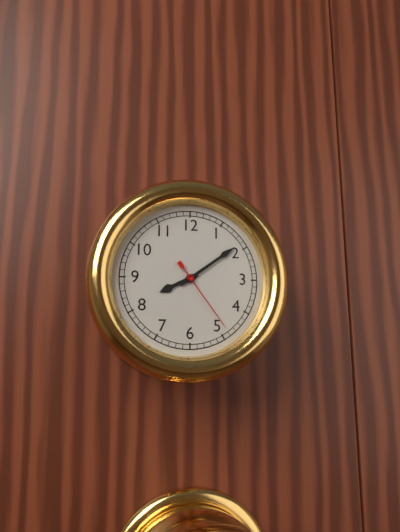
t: 8:09:24
